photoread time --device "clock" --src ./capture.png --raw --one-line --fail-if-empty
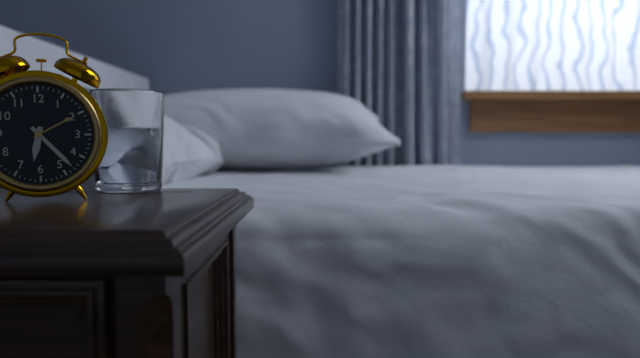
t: 6:23
